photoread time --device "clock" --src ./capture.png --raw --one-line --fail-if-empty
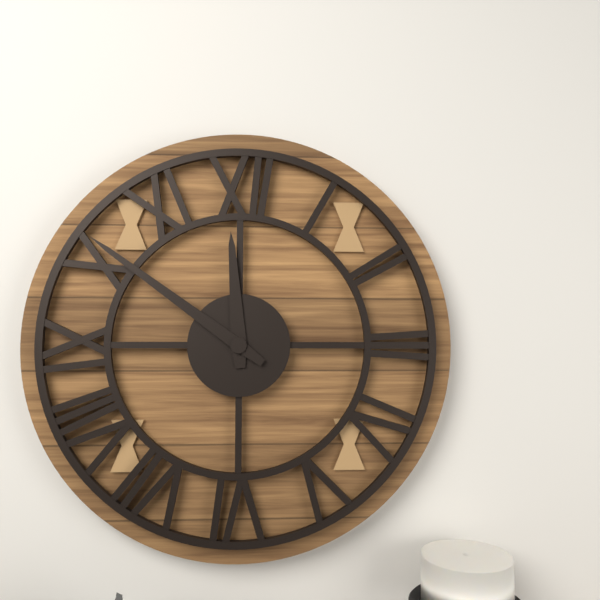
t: 11:51
